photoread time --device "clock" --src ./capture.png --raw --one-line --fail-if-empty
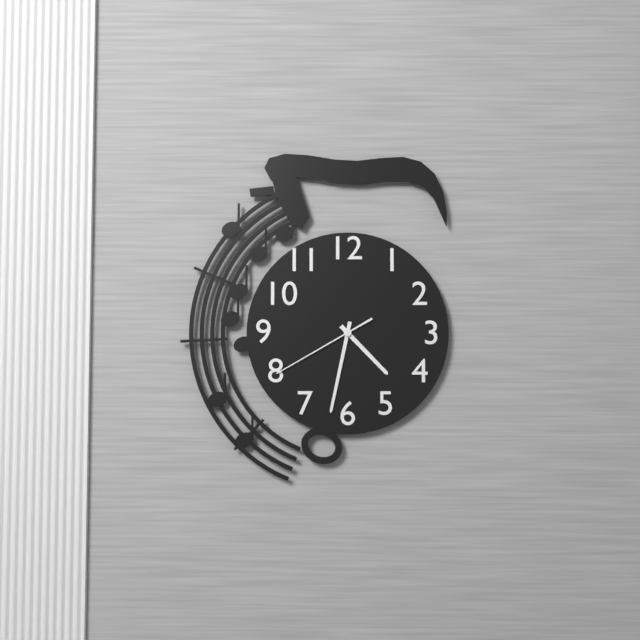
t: 4:32:40
